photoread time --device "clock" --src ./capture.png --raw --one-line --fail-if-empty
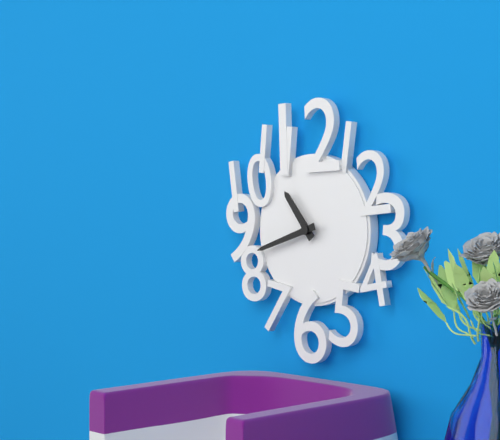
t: 10:42
